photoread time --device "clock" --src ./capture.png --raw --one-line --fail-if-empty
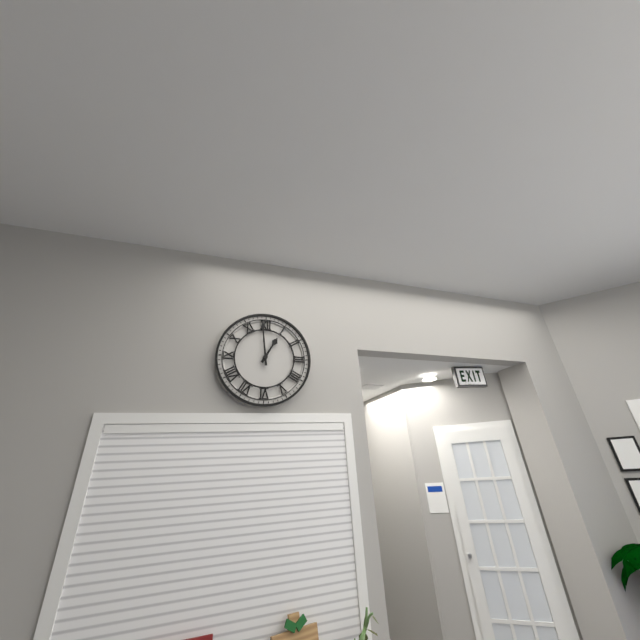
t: 12:59
